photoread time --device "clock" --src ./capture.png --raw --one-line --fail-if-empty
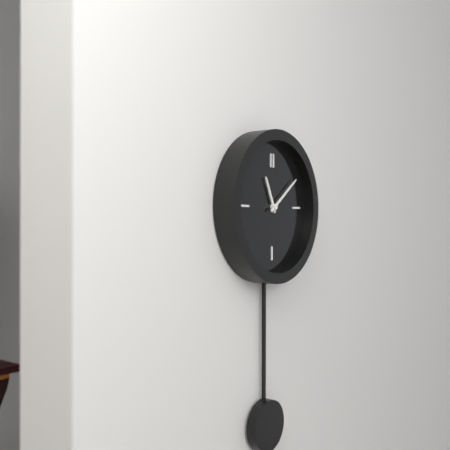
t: 11:09
